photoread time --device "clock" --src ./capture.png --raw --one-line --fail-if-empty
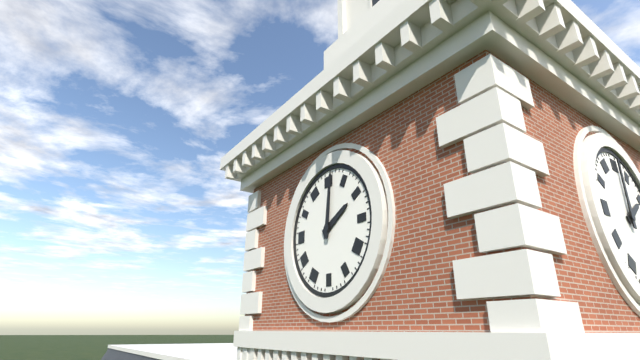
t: 2:01
